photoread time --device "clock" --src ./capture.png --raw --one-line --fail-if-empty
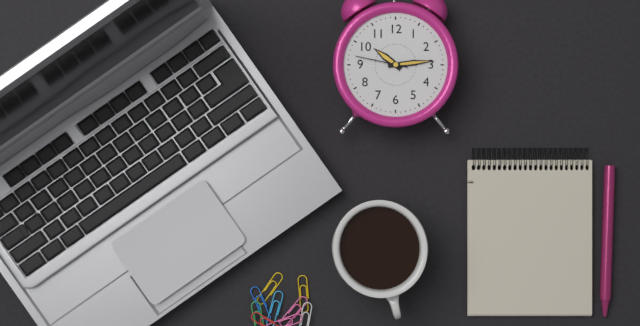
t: 10:14:47
